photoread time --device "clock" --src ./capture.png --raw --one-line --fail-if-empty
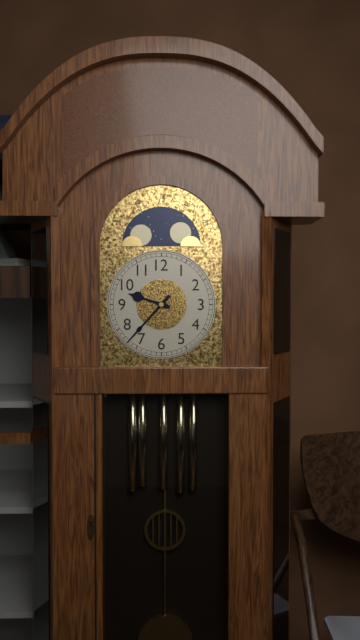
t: 9:37
